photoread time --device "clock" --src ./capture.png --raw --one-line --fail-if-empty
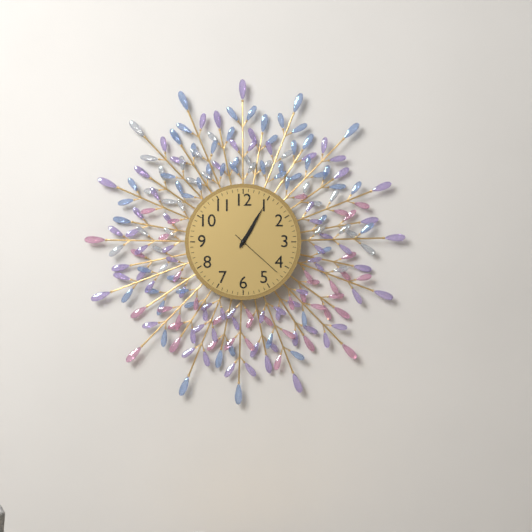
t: 1:05:22
